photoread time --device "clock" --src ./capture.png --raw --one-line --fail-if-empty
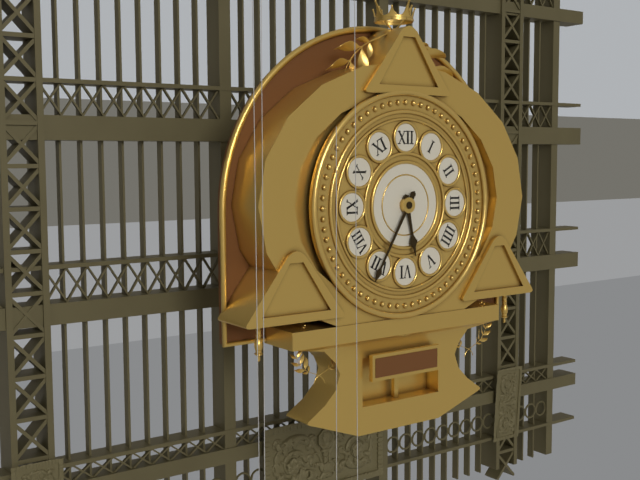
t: 5:35
